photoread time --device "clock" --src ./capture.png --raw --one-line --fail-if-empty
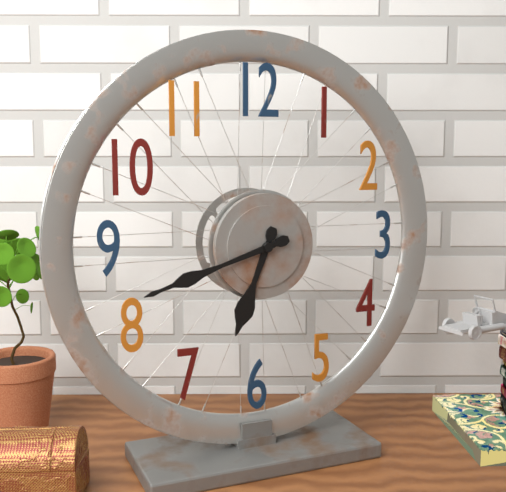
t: 6:42
